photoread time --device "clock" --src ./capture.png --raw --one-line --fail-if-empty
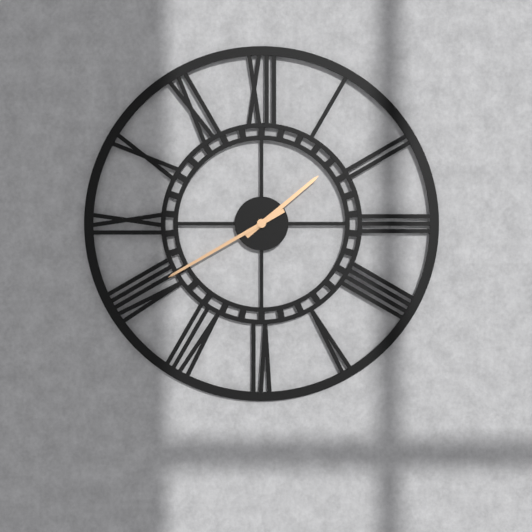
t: 1:40
